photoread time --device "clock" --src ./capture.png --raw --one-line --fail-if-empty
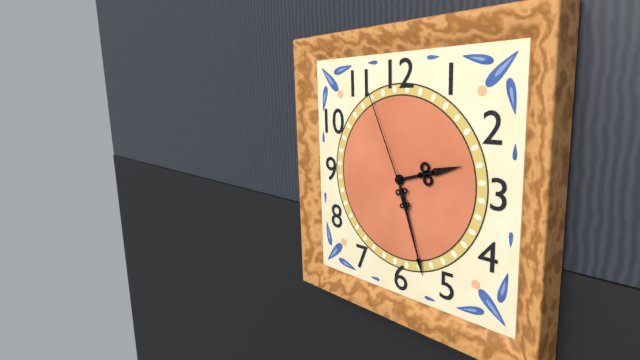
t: 2:27:56
